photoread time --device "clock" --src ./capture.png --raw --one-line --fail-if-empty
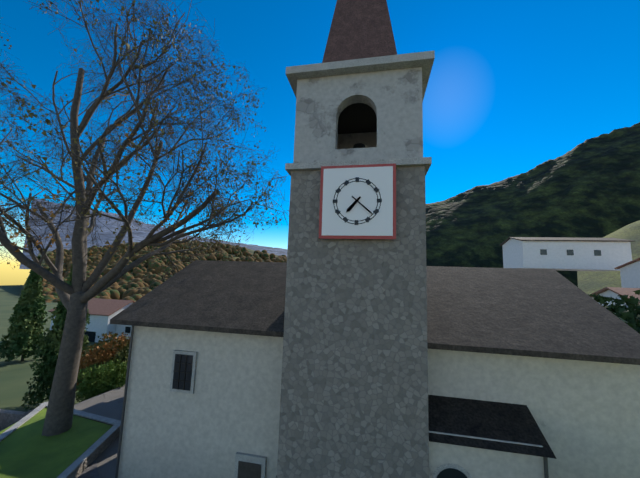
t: 7:22
